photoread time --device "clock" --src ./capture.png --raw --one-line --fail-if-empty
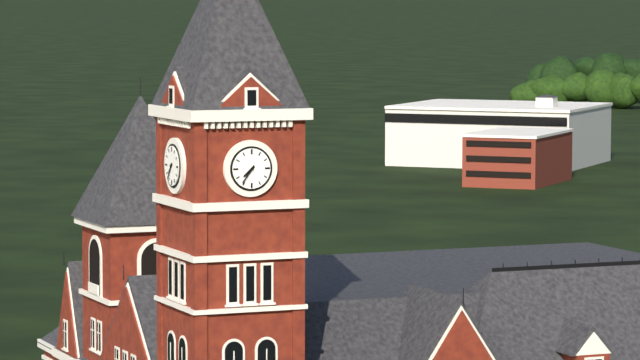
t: 7:36
